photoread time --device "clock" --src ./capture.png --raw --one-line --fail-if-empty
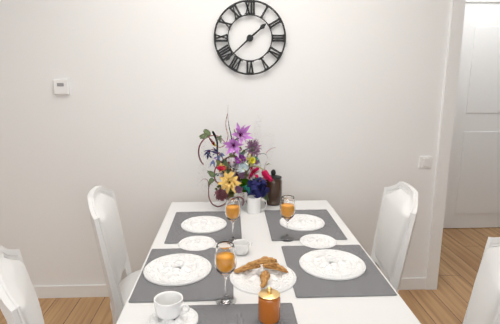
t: 1:38
